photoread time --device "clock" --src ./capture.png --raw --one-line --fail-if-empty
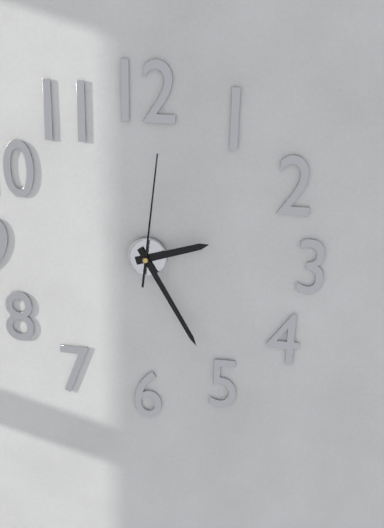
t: 2:25:01
